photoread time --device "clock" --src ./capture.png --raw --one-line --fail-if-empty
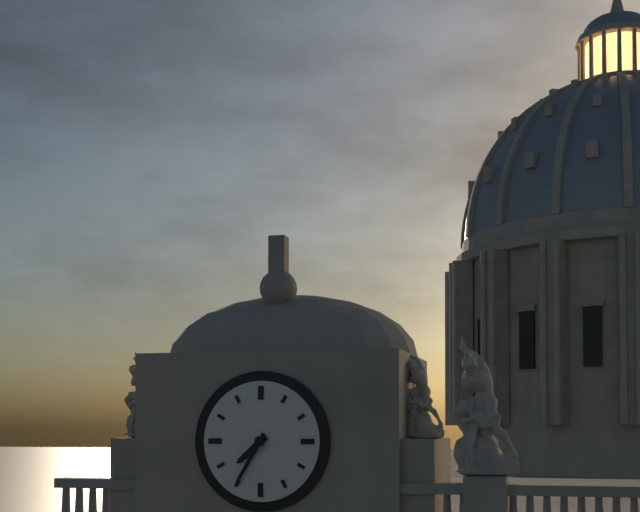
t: 7:35
